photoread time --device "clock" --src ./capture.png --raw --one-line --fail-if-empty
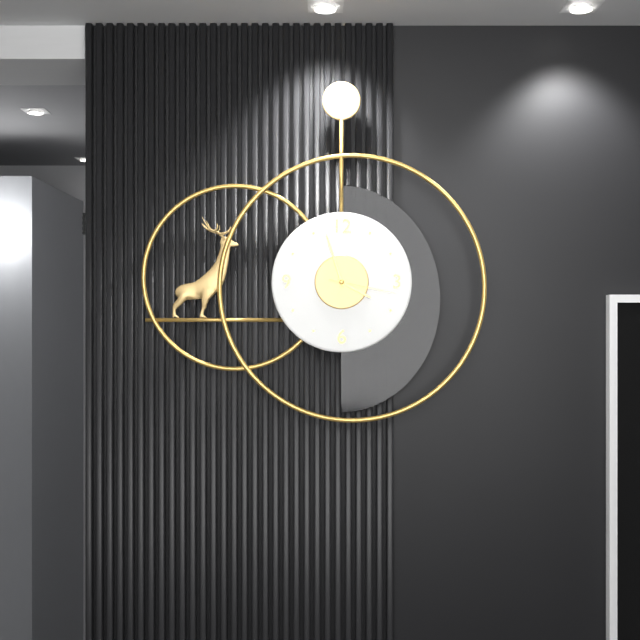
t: 3:57:17
